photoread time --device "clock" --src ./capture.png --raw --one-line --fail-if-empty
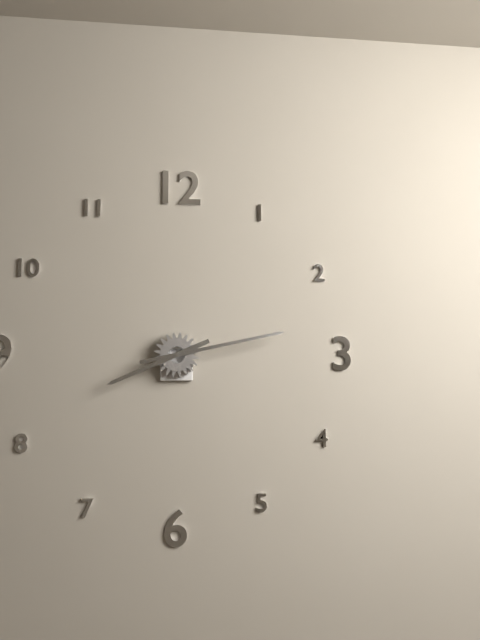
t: 8:13
